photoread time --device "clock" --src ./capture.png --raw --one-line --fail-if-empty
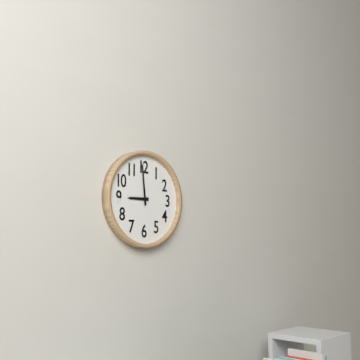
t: 8:59
